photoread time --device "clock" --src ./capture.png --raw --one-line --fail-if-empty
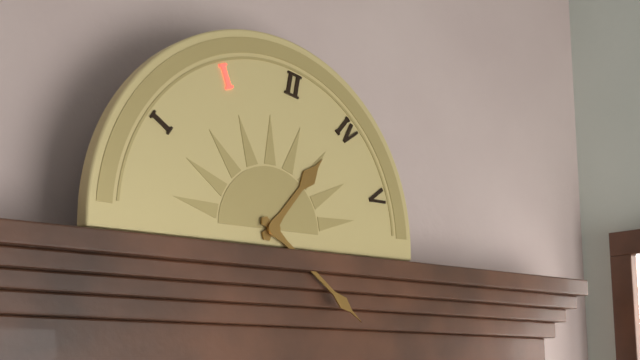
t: 1:21
